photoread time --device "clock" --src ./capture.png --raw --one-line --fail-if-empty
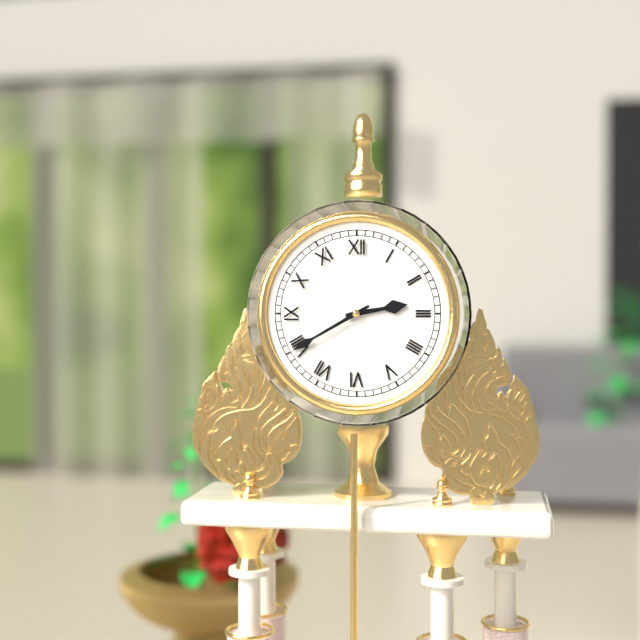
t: 2:40
